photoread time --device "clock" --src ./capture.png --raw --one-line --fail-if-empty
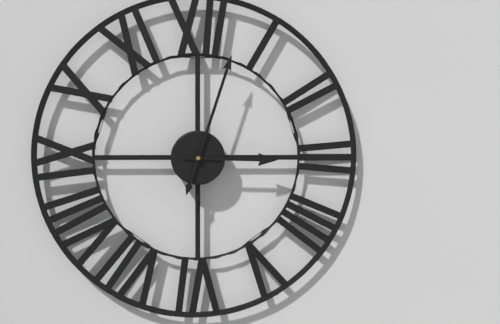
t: 3:03
